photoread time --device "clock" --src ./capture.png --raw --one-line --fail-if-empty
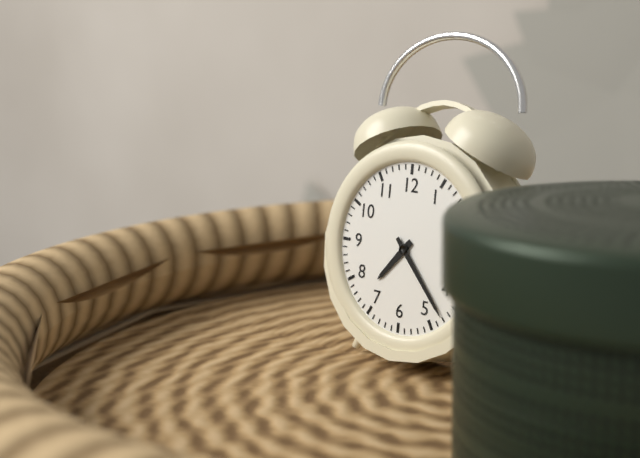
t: 7:23
